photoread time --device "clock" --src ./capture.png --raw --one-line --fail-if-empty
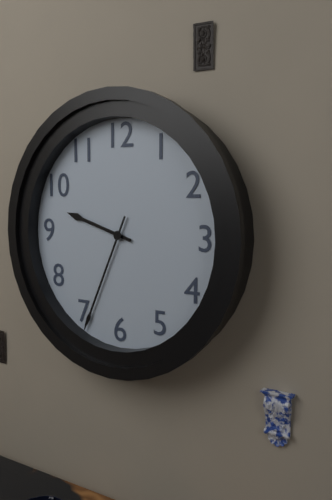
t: 9:34
